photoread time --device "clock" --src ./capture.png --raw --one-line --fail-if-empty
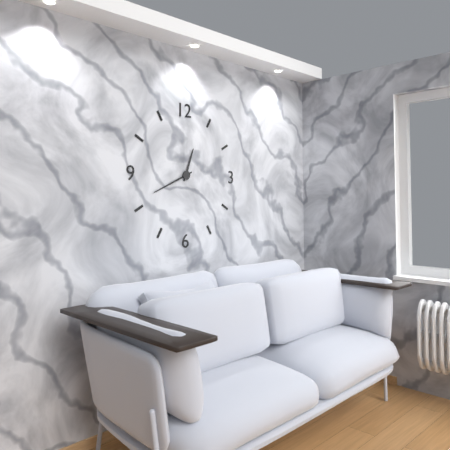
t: 12:41
